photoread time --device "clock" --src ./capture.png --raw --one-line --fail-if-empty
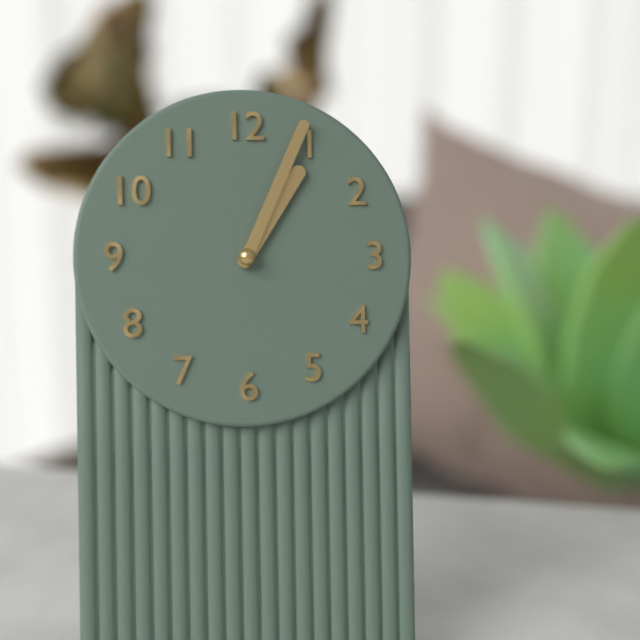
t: 1:04
